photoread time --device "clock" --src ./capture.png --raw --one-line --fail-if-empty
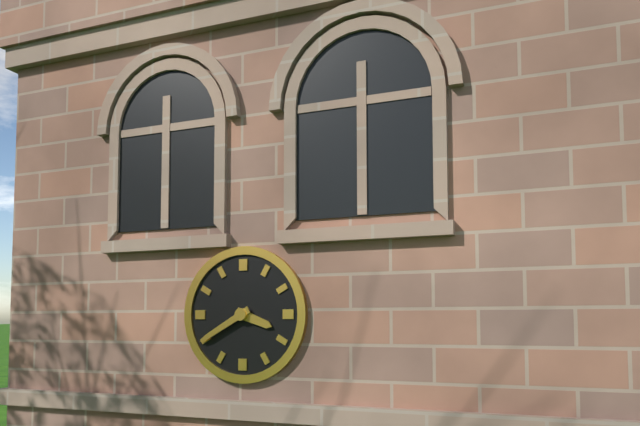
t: 3:40
